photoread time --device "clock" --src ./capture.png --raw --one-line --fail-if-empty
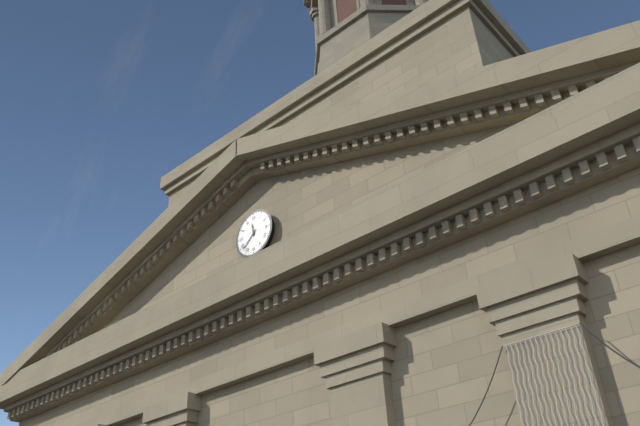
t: 11:38
